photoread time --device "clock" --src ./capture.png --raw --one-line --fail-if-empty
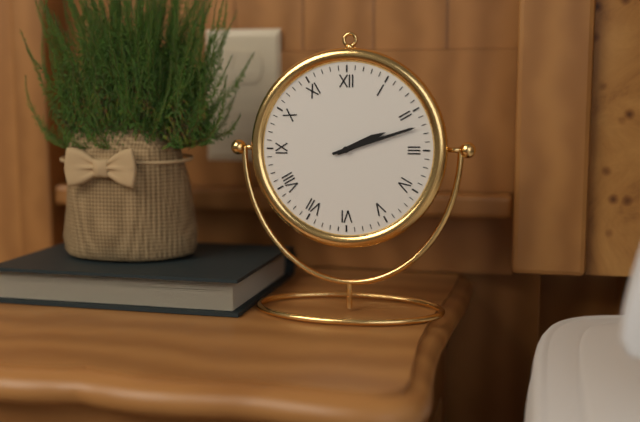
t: 2:12
